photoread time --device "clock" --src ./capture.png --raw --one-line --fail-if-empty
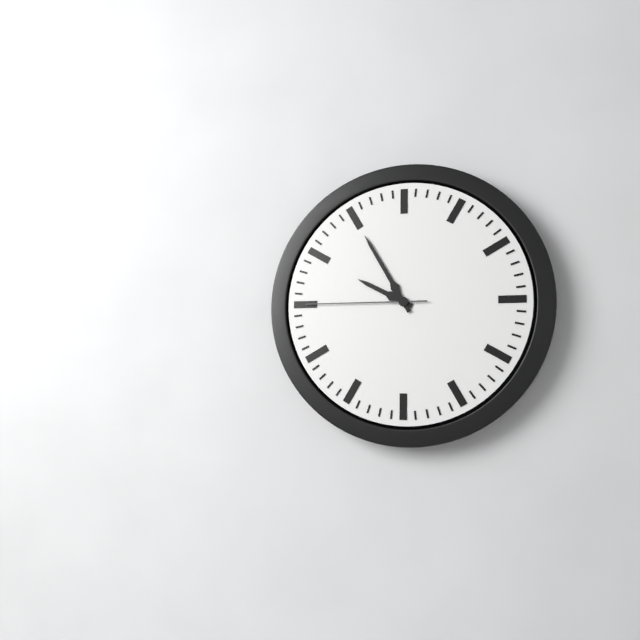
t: 9:55:45
